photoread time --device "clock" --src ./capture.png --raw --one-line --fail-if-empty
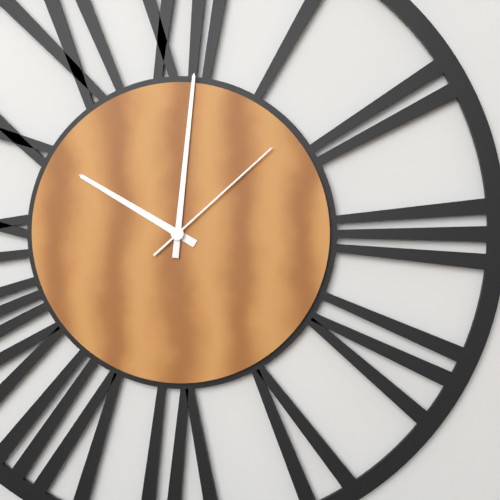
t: 10:01:08
